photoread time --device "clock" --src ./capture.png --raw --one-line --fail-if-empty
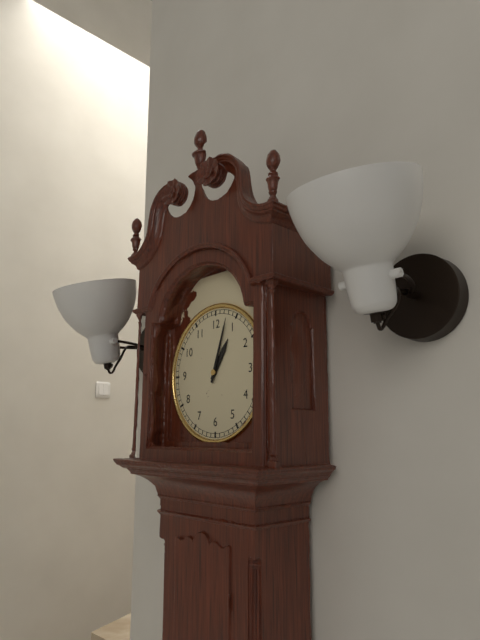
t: 1:03
